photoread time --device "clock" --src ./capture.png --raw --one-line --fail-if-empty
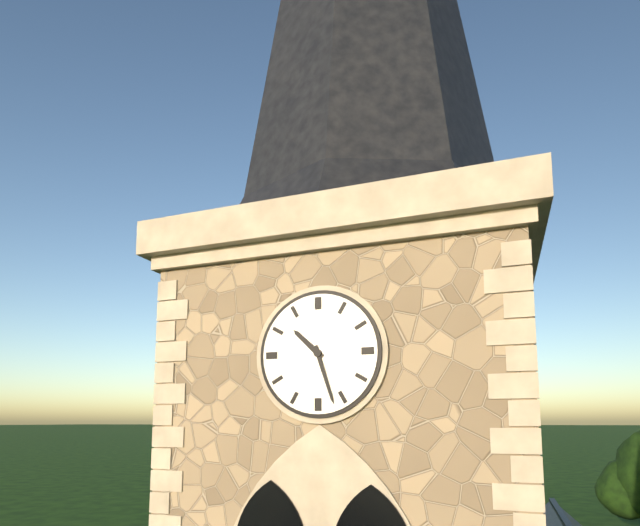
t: 10:27
